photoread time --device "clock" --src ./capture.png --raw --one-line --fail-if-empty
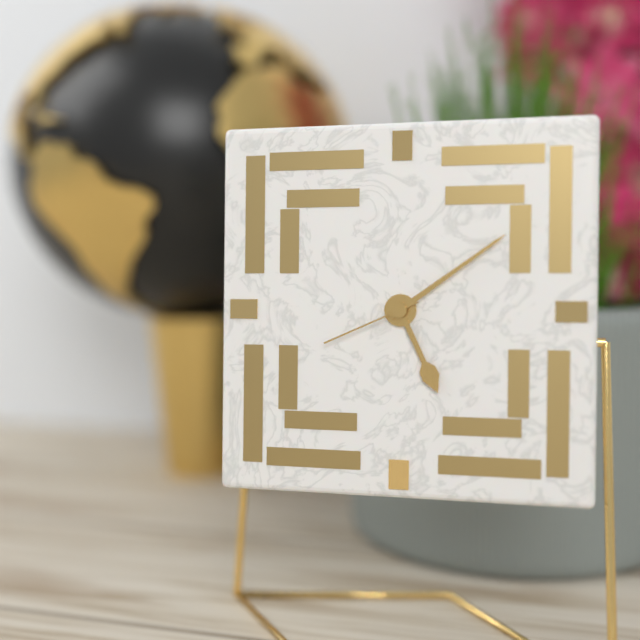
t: 5:09:41
